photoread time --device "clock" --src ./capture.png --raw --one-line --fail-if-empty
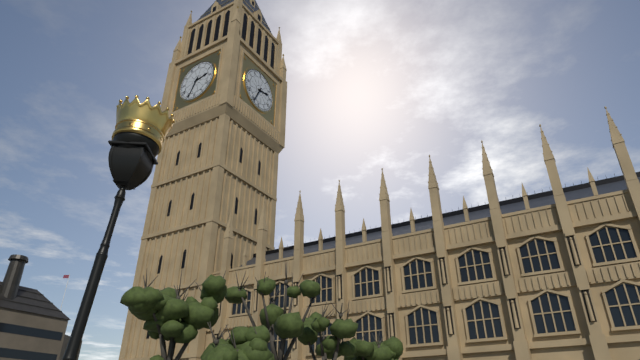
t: 2:34
